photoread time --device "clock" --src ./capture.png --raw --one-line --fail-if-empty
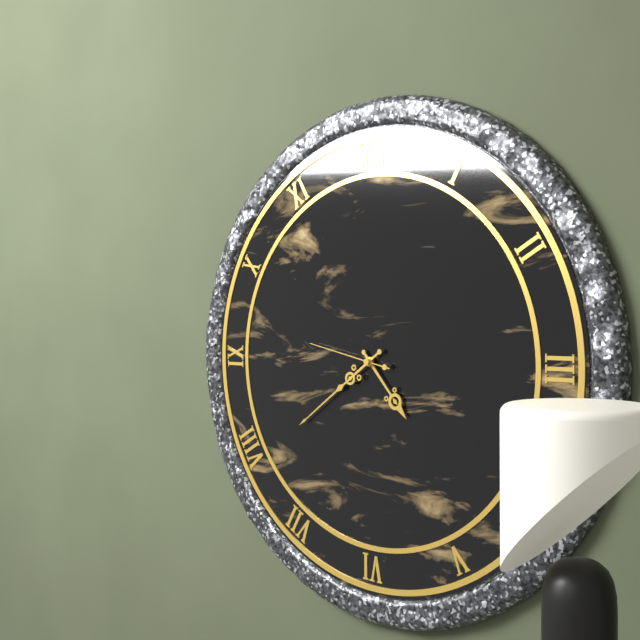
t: 4:39:47
